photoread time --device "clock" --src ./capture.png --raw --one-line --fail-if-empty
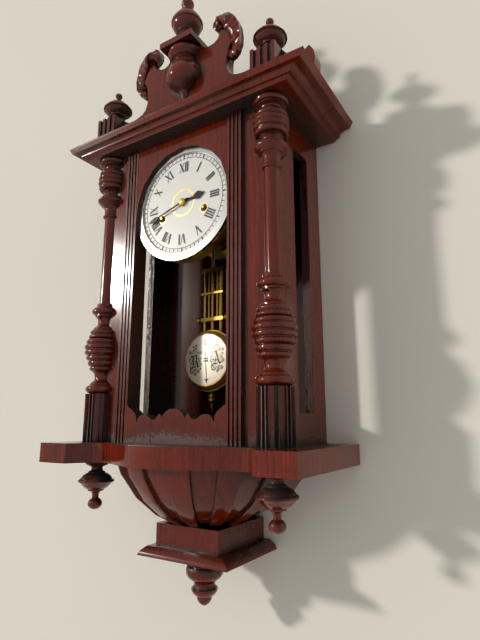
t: 2:42
